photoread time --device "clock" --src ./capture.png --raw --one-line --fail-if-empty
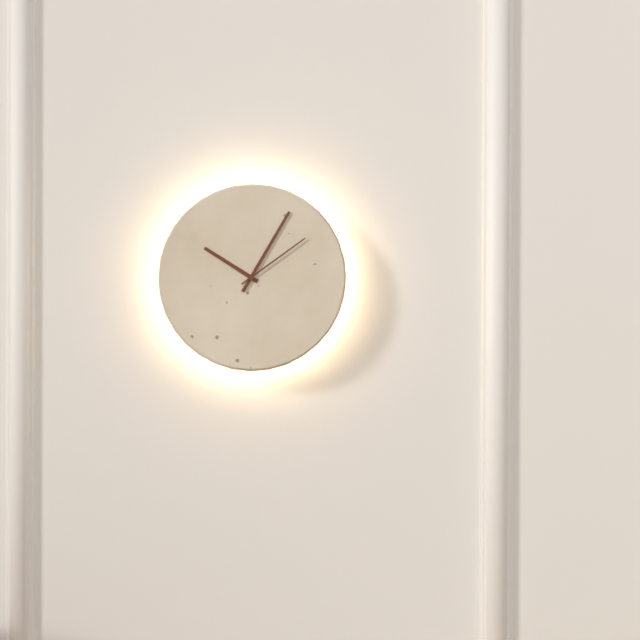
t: 10:05:09
